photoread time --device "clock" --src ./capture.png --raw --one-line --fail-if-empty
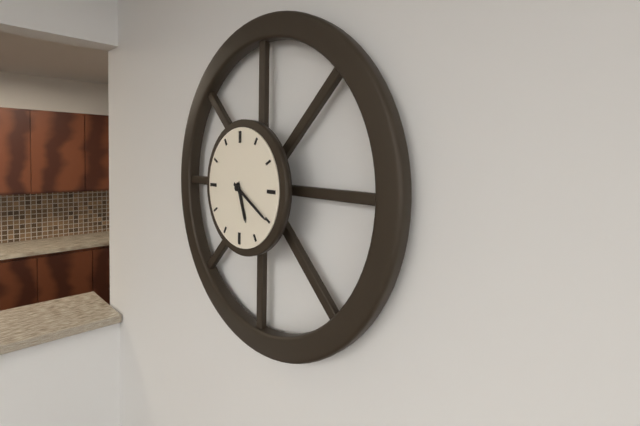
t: 5:20
